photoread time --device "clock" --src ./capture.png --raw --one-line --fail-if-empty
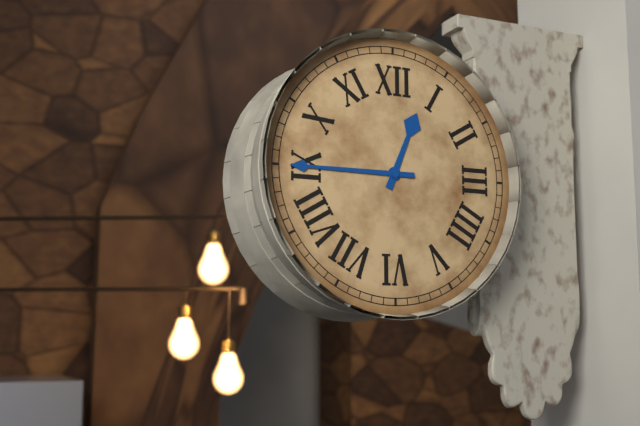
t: 12:45
